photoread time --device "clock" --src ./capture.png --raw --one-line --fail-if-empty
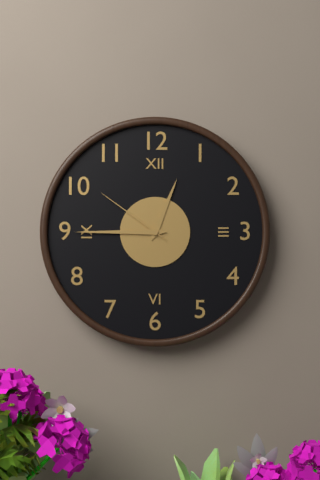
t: 12:45:51
